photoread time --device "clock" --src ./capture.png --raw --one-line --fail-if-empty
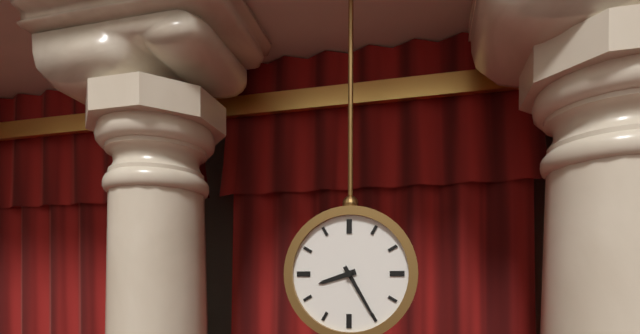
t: 8:25
